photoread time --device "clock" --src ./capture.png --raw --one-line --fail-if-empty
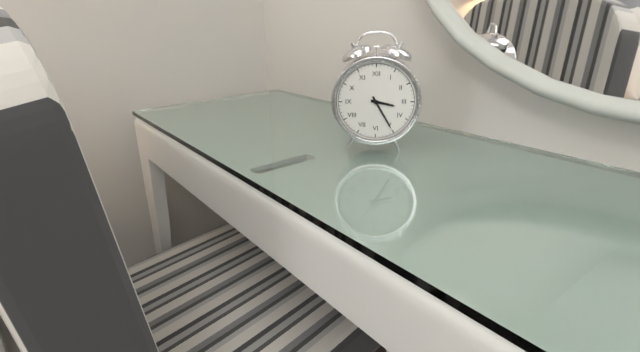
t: 3:25
